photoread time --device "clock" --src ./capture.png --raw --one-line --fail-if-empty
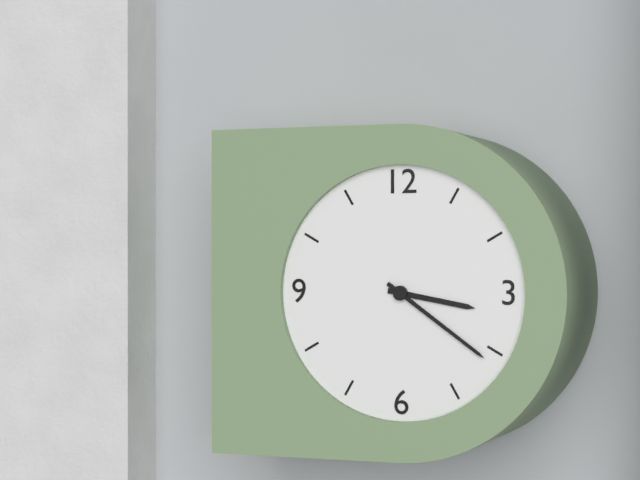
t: 3:21
